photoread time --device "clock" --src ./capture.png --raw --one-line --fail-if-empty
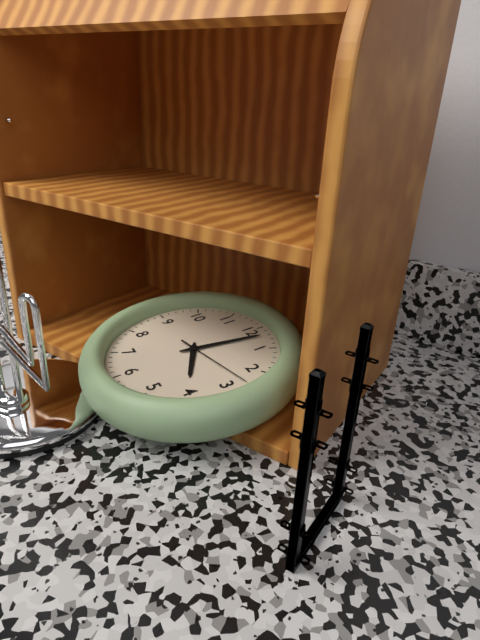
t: 4:02:13
